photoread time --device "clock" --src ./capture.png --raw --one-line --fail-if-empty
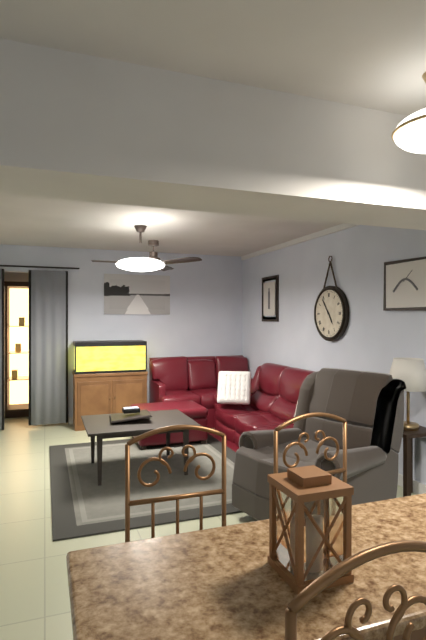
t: 4:54
